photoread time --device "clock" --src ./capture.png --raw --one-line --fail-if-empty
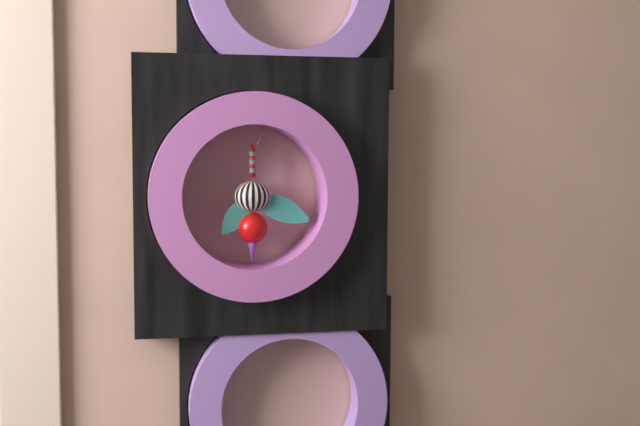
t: 7:19
